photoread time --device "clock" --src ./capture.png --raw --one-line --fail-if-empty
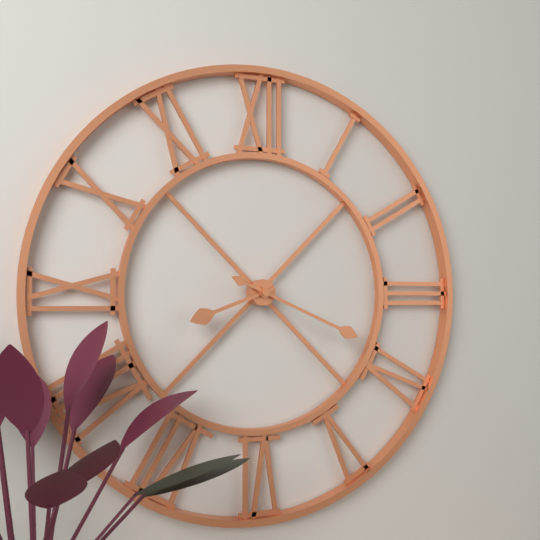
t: 8:19
